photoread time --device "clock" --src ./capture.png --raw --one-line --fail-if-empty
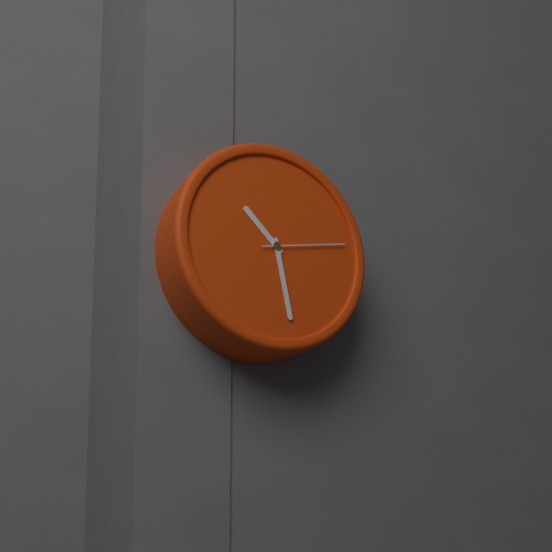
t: 10:28:13
